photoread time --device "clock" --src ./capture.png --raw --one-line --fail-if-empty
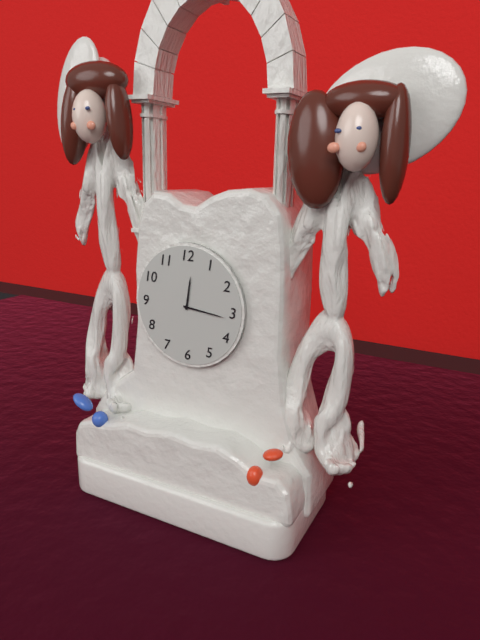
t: 12:16
